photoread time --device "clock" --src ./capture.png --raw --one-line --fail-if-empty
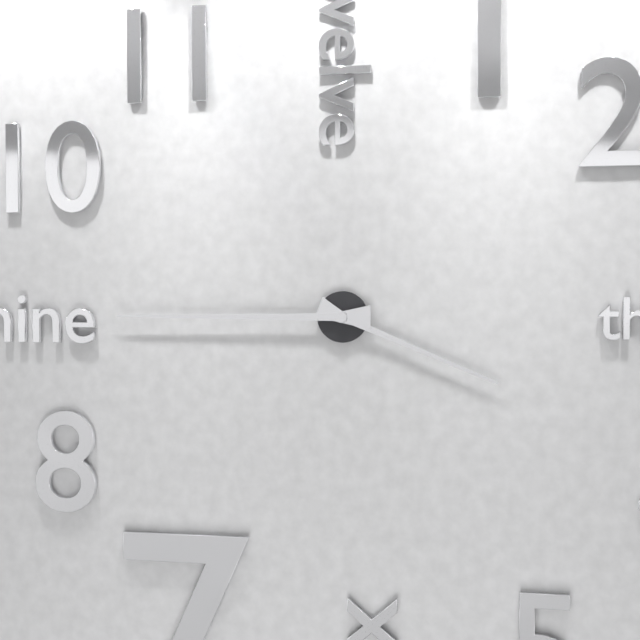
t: 3:45
